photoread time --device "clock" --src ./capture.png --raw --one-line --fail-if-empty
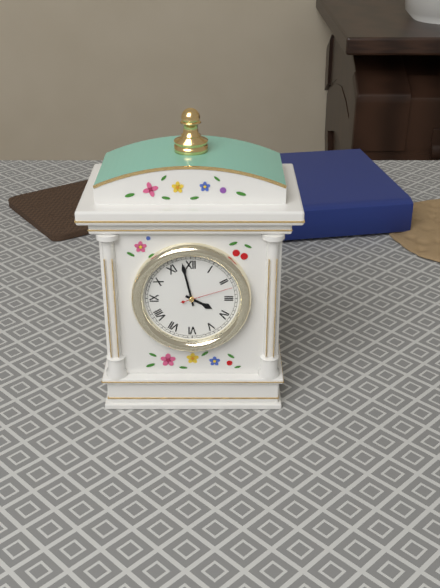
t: 3:58:12
